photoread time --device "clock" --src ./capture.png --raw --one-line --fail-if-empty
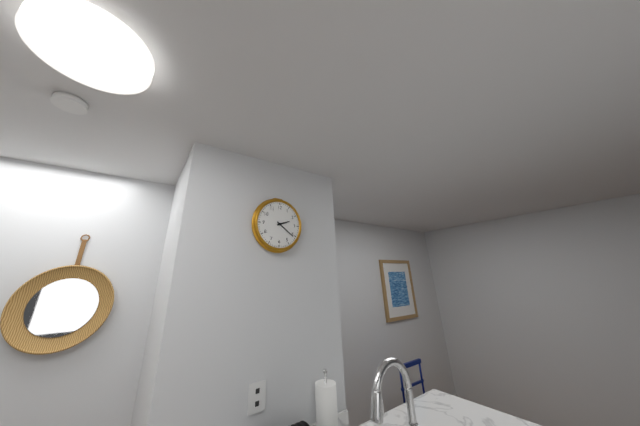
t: 2:21
